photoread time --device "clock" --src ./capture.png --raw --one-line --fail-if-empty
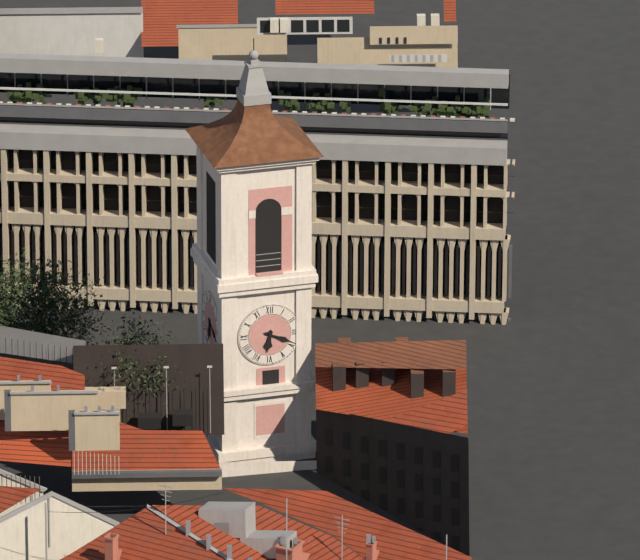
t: 6:19
